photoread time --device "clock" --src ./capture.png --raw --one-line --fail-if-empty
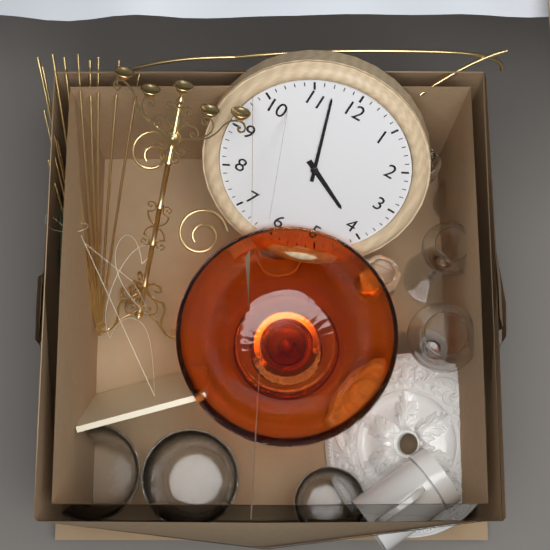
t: 3:57
